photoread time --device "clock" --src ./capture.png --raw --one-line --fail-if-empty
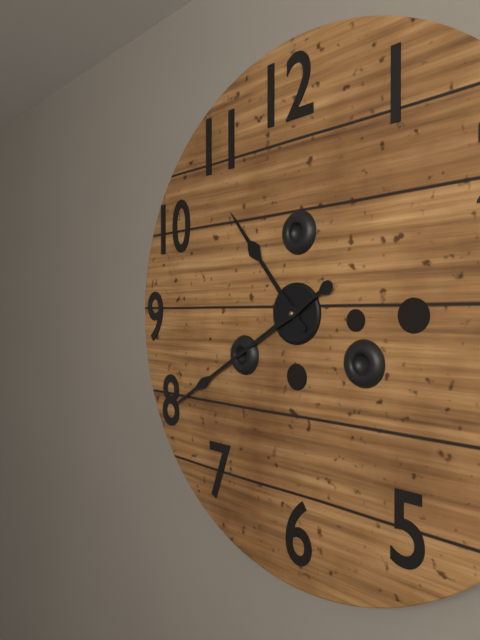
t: 10:40
